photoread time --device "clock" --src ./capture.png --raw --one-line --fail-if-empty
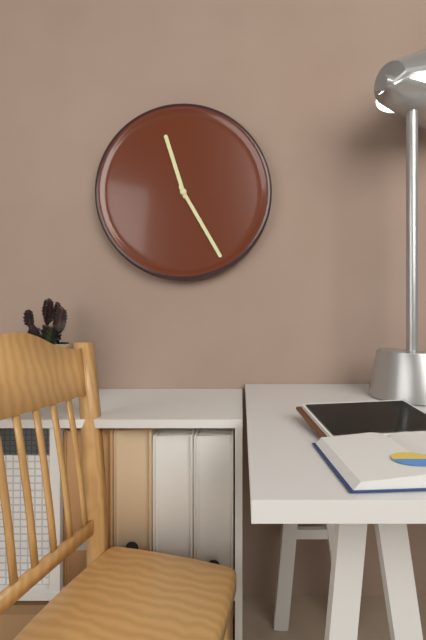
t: 11:25
